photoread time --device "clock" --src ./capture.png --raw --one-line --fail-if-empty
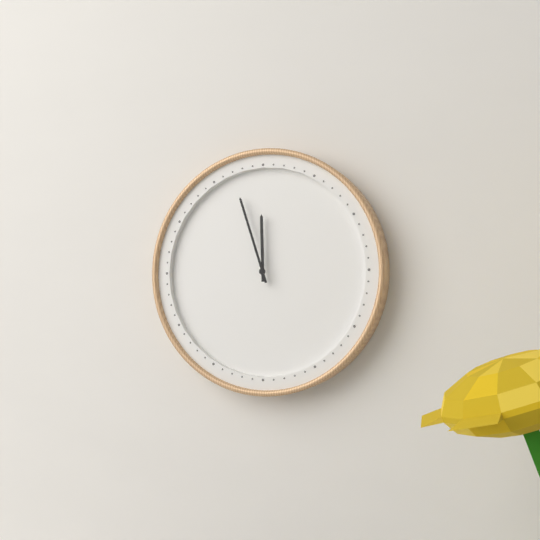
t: 11:57
